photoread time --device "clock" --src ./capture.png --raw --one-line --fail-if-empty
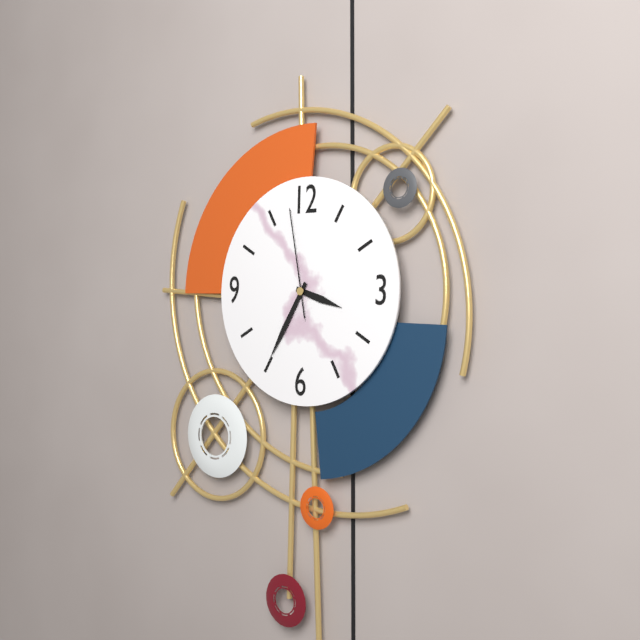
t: 3:35:58
